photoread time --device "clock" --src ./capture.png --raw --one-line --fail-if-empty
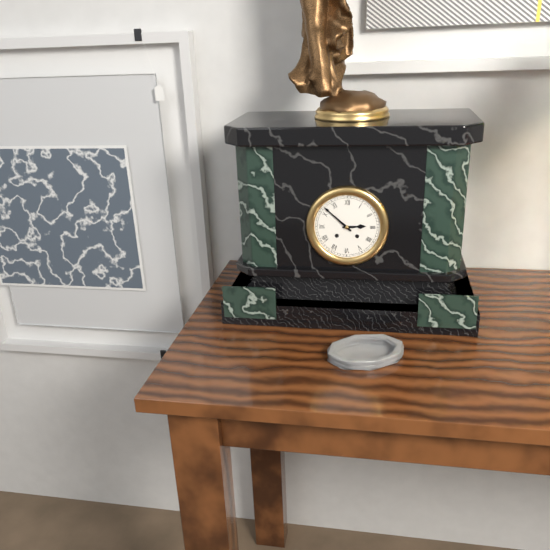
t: 2:52
